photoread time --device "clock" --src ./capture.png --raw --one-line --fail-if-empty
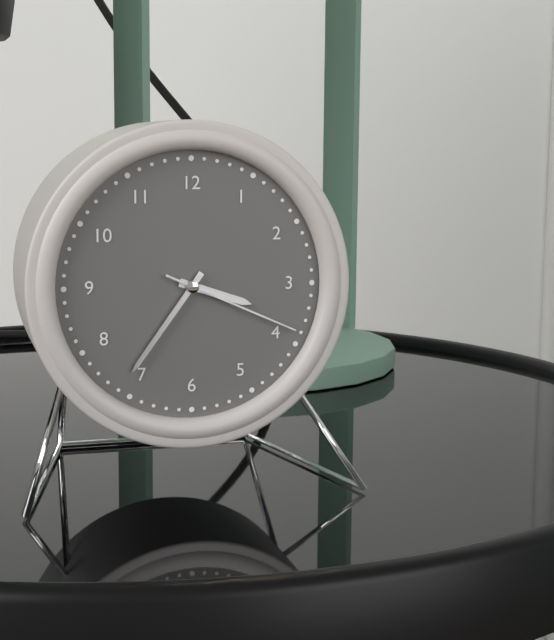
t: 3:36:19
